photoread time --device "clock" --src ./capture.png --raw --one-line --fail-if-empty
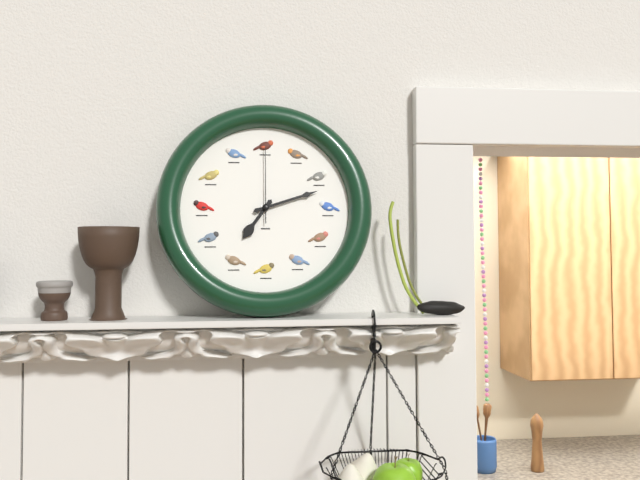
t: 7:12:00
